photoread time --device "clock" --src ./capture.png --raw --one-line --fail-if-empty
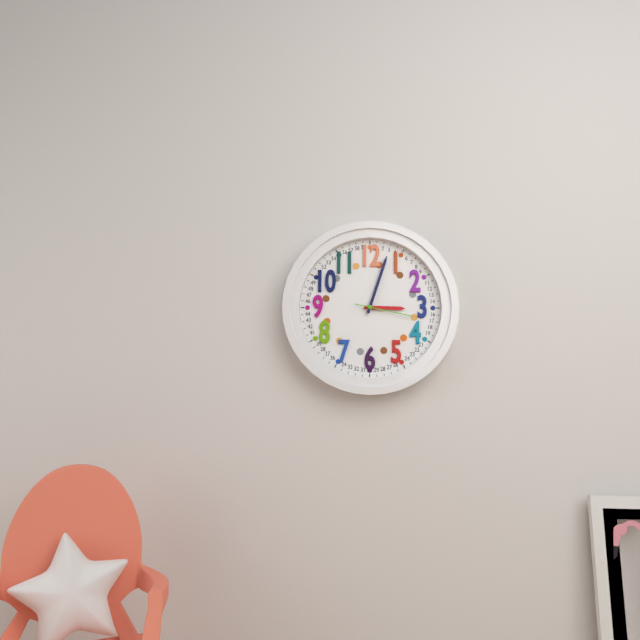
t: 3:03:17
